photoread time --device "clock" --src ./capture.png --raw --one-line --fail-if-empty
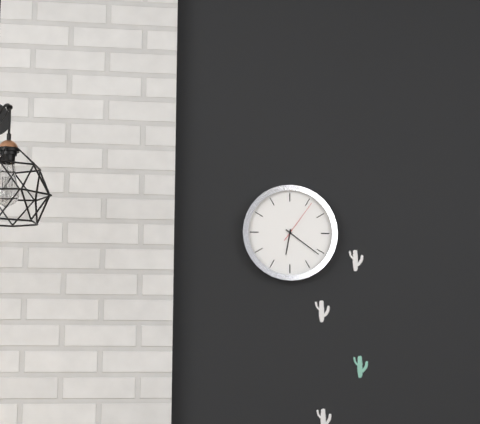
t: 6:21
